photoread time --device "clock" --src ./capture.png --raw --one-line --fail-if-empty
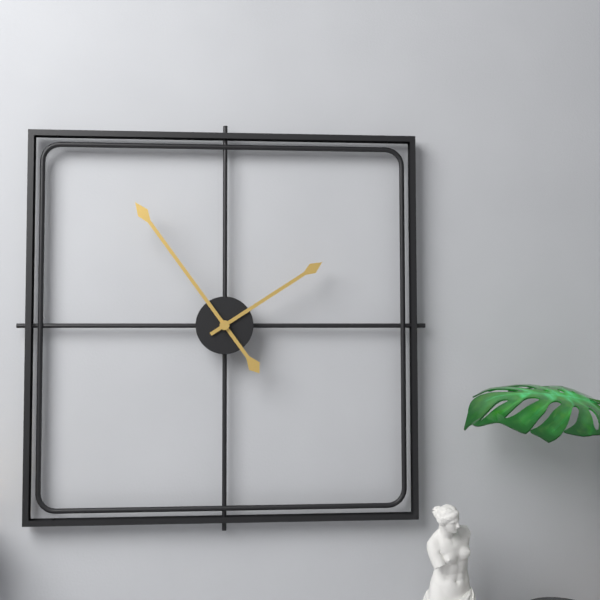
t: 1:54
